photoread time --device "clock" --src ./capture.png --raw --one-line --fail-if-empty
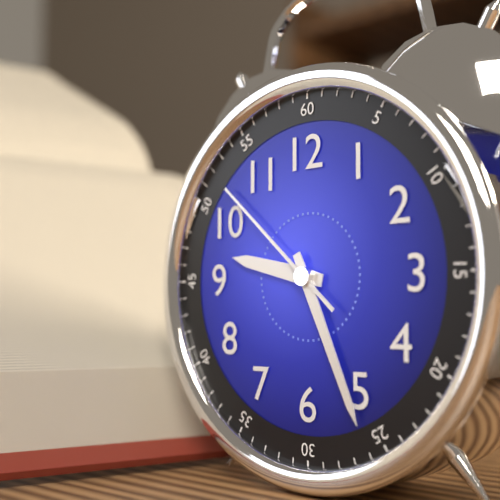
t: 9:26:52
